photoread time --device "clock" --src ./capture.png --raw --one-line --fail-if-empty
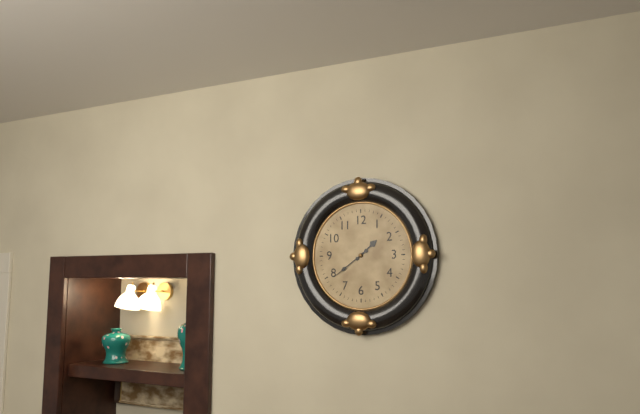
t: 1:39
